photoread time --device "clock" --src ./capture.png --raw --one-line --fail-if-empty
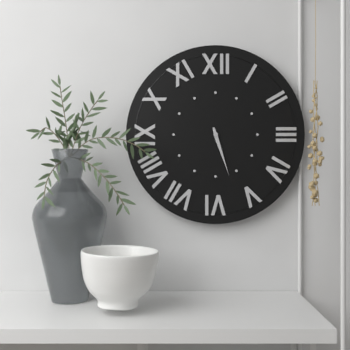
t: 5:27
